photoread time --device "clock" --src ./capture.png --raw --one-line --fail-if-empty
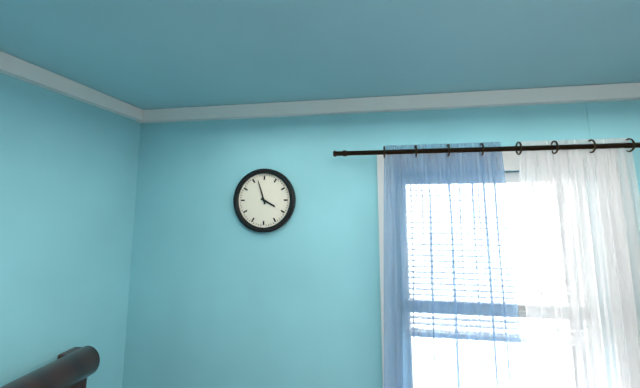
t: 3:57
